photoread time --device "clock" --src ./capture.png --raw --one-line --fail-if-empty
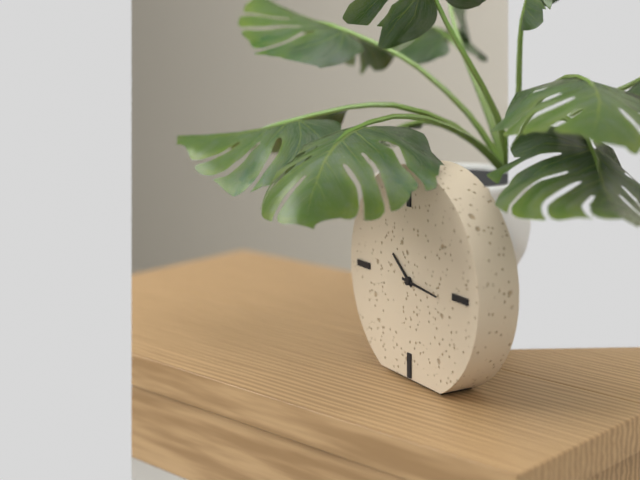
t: 10:16
